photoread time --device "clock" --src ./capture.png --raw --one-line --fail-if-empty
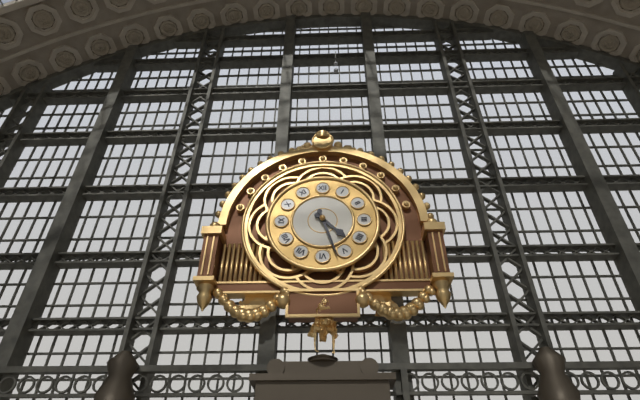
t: 4:27
